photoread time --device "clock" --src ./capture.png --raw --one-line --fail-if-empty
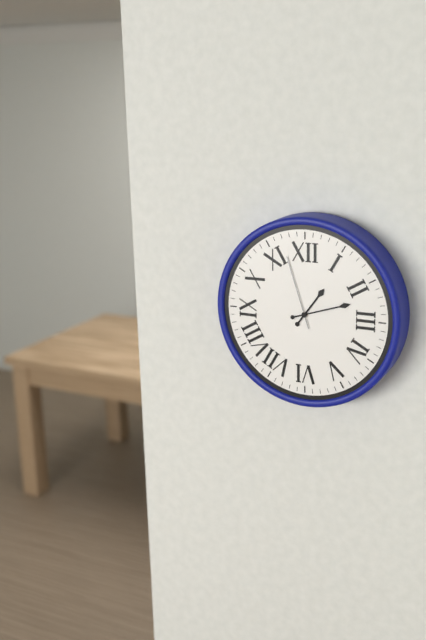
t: 1:12:57
